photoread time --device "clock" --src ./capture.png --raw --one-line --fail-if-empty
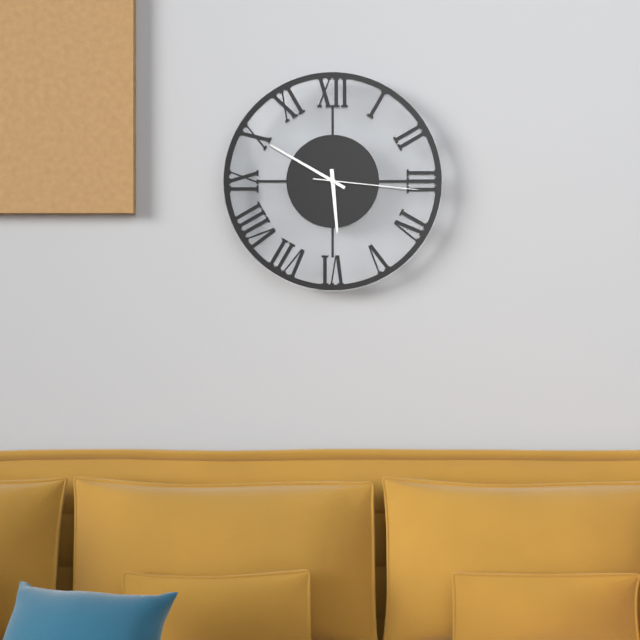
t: 5:50:16
